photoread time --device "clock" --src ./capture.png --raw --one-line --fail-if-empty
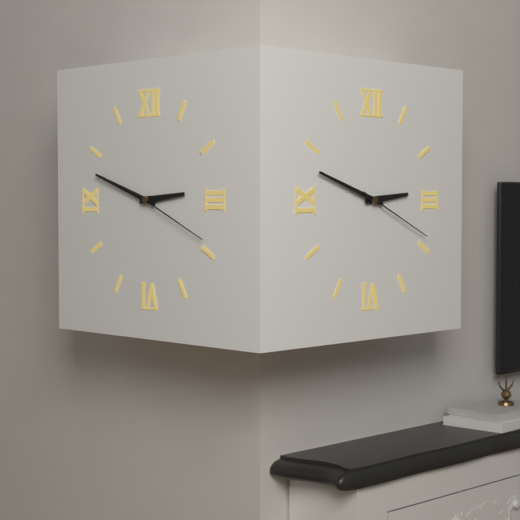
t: 2:48:19
